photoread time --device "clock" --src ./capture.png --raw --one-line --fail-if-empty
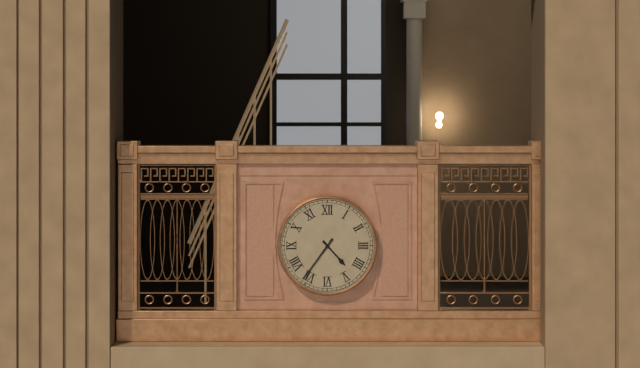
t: 4:36
